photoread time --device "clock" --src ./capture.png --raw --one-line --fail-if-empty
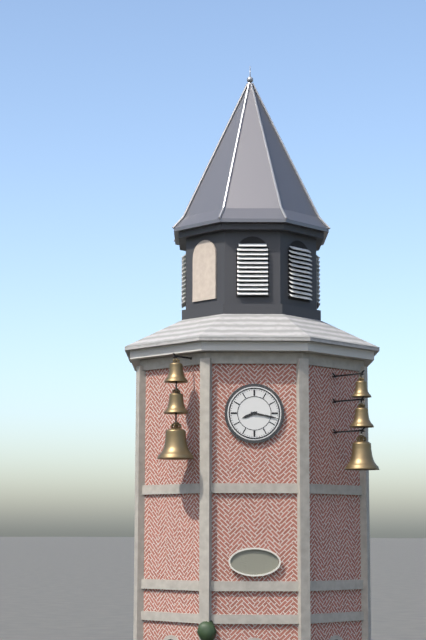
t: 8:17
